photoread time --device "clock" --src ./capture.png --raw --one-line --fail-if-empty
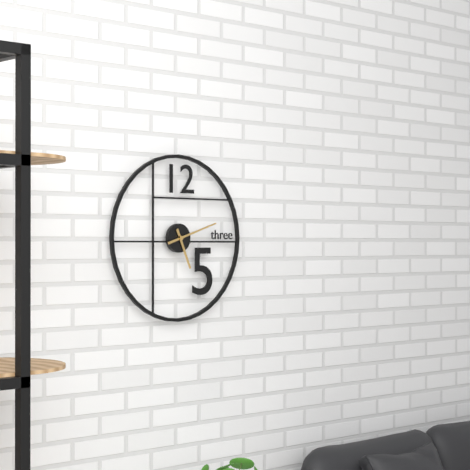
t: 5:12
